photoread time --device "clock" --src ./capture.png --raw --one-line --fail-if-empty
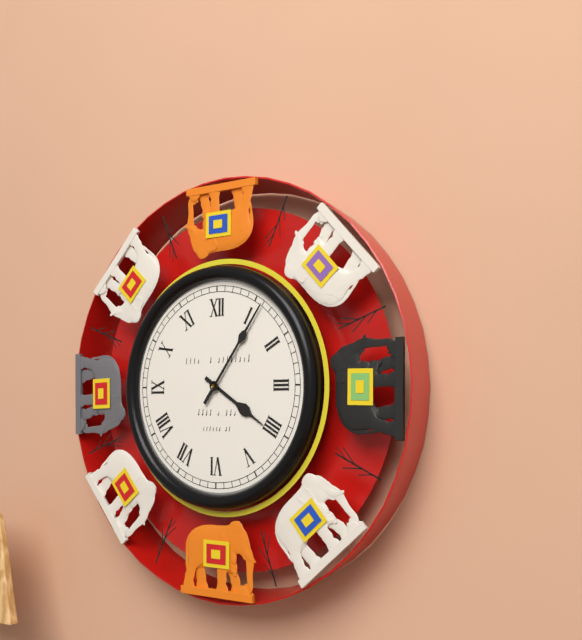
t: 4:06
